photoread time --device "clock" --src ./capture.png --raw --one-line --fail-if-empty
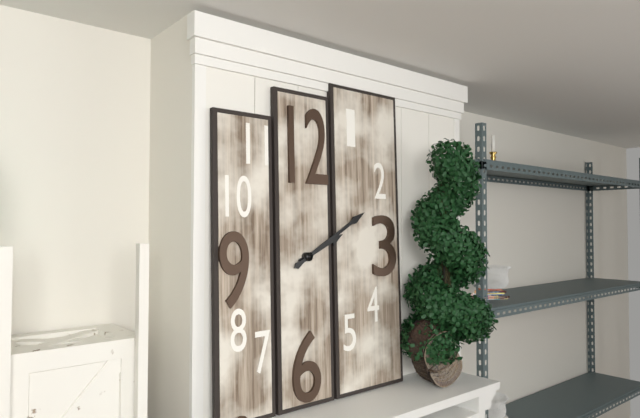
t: 2:10
